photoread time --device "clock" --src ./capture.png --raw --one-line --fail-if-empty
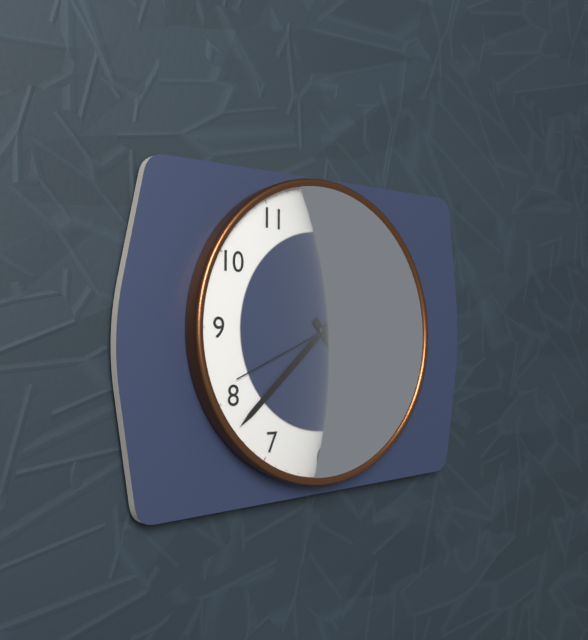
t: 4:38:41
